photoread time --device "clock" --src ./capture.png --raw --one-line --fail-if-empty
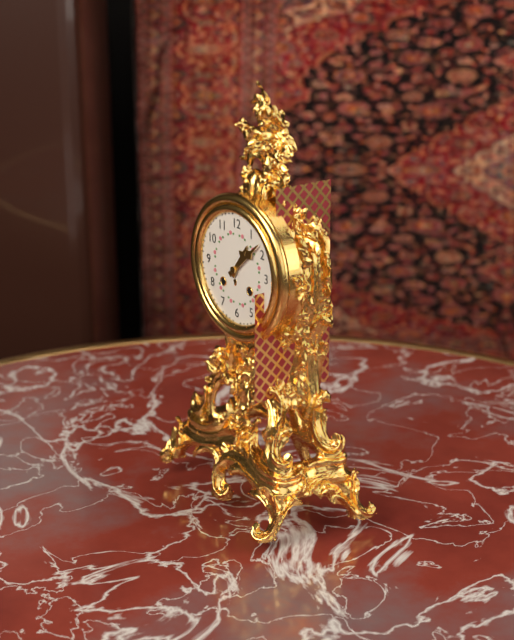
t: 1:08
